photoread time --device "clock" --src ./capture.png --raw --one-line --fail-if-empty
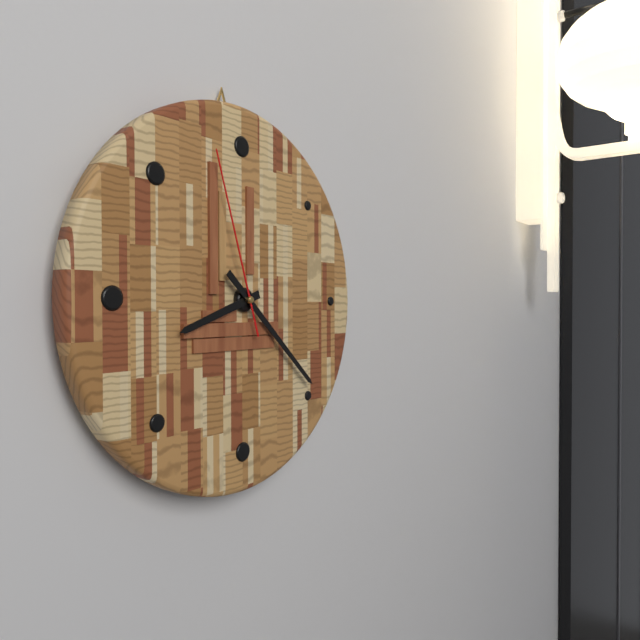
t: 8:22:57
